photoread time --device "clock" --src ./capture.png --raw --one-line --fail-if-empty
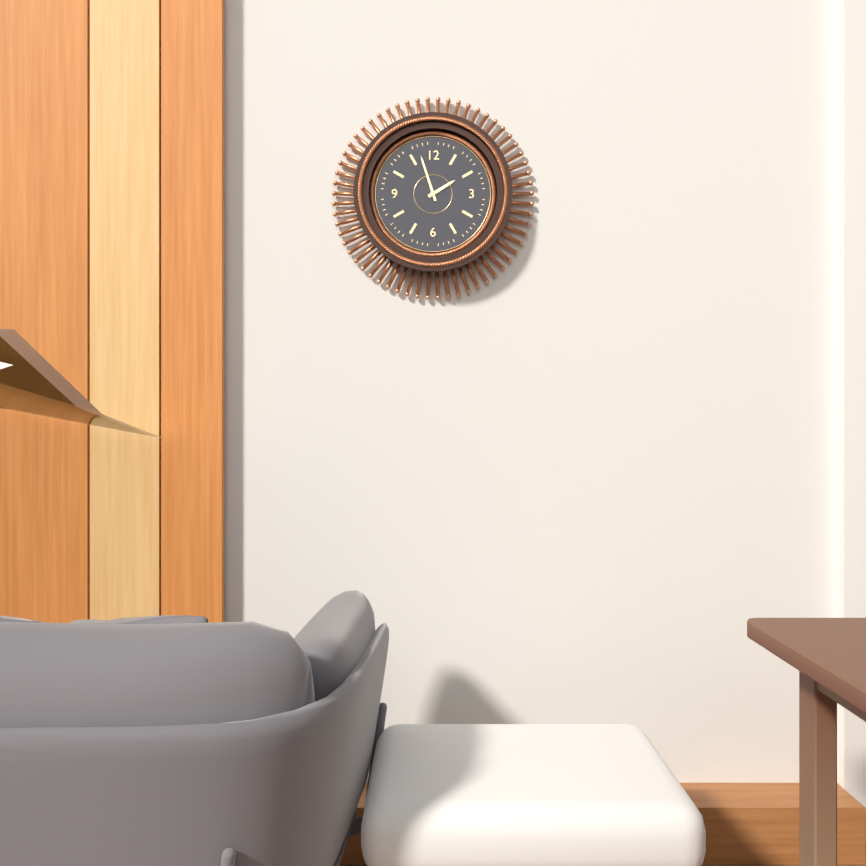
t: 1:57
